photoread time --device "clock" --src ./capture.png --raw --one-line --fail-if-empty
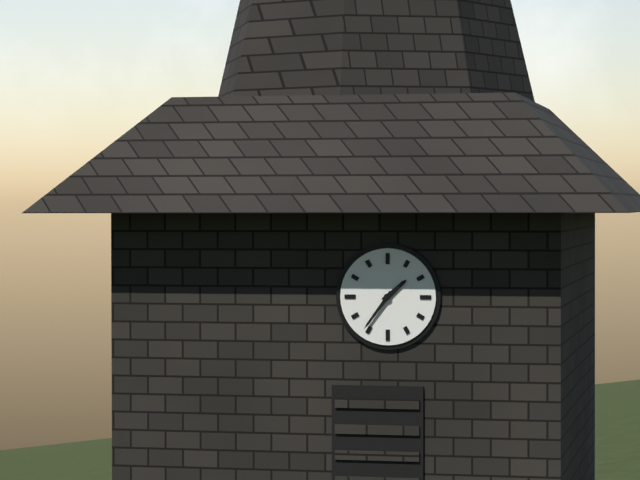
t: 1:36
